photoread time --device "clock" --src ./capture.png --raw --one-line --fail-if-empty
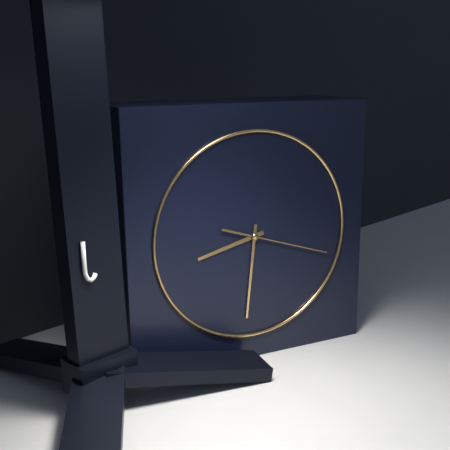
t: 8:31:18
